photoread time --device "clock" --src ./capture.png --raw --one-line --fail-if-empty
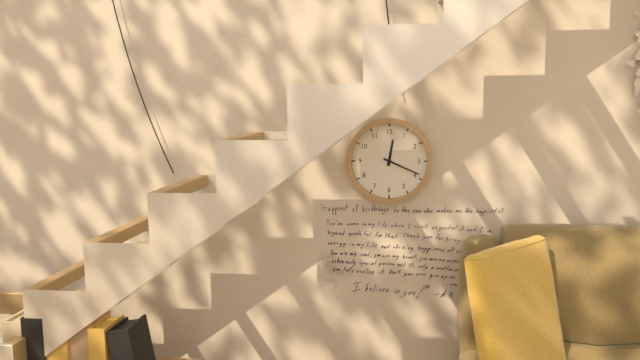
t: 12:19
